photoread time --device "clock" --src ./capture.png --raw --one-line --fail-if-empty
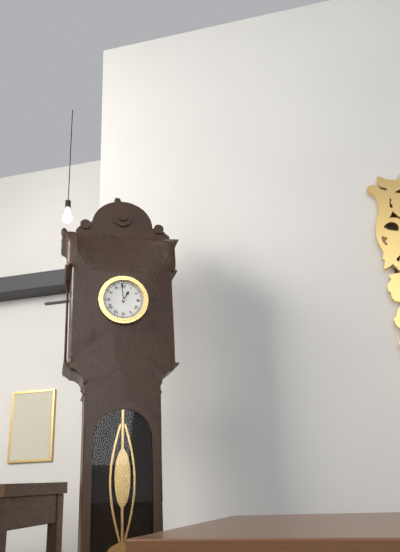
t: 12:59
